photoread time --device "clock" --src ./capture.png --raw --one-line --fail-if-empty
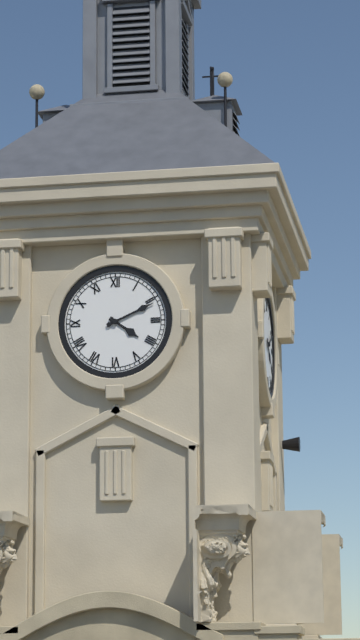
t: 4:11
